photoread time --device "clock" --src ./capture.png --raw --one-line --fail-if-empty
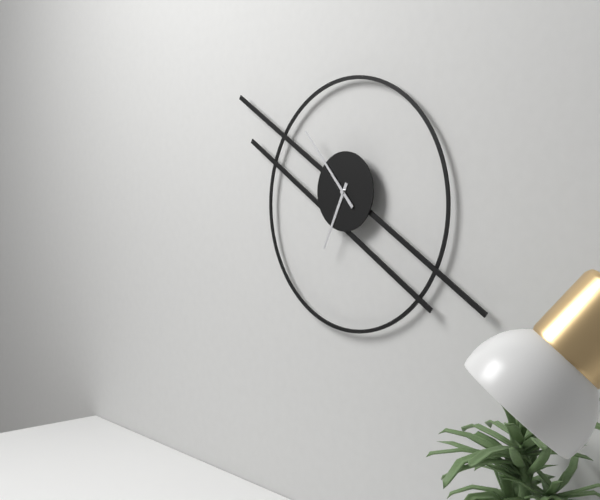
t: 6:53
